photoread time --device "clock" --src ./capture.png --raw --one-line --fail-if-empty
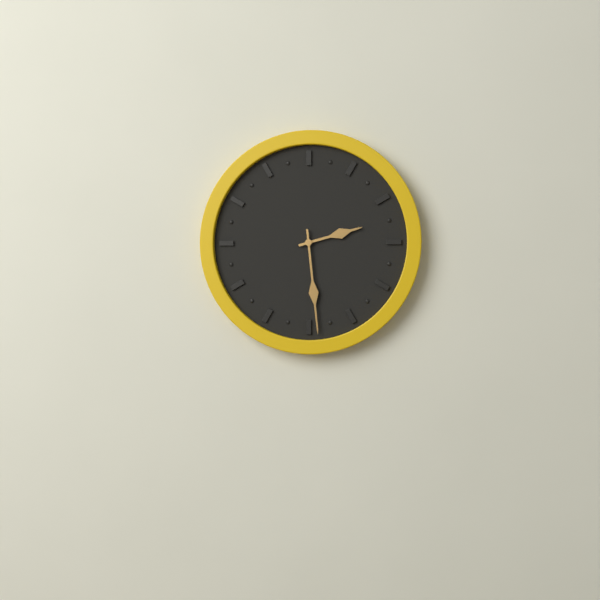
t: 2:29
